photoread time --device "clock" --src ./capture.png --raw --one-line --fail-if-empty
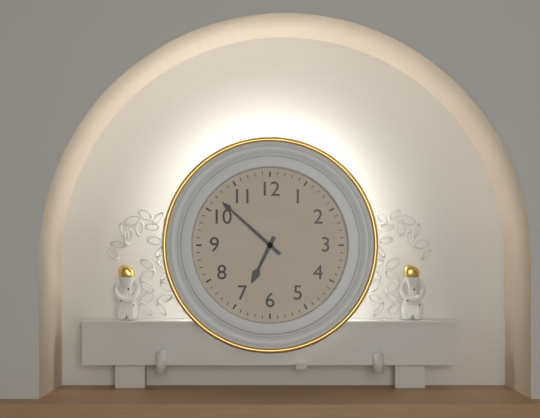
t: 6:52
